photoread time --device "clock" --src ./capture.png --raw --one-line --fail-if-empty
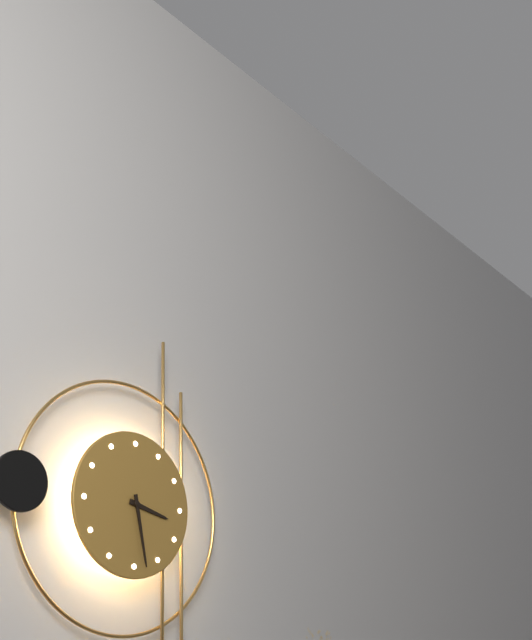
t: 3:28
